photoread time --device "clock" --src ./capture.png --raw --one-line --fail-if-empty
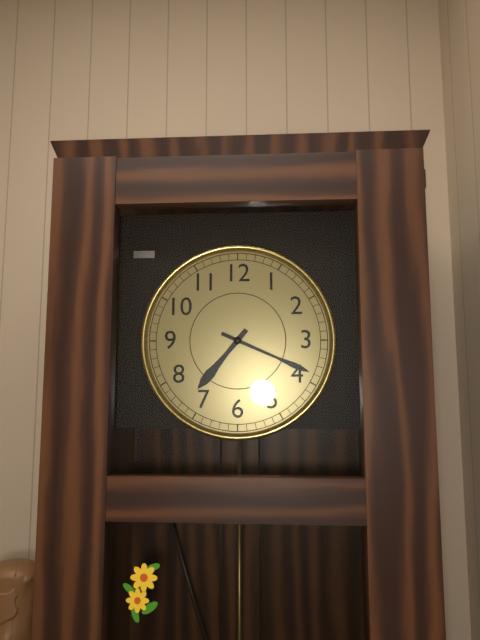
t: 7:19
